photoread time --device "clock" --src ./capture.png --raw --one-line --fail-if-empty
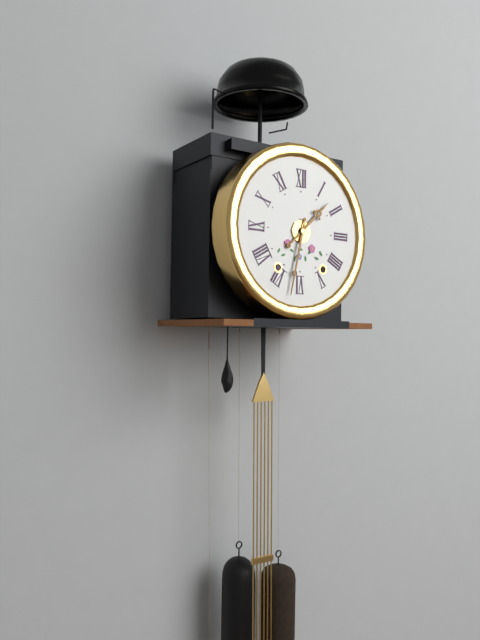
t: 1:32
